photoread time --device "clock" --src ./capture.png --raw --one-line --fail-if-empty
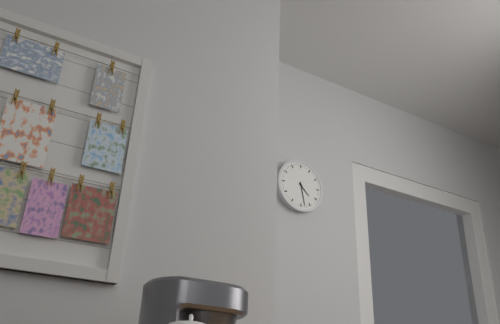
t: 4:28
